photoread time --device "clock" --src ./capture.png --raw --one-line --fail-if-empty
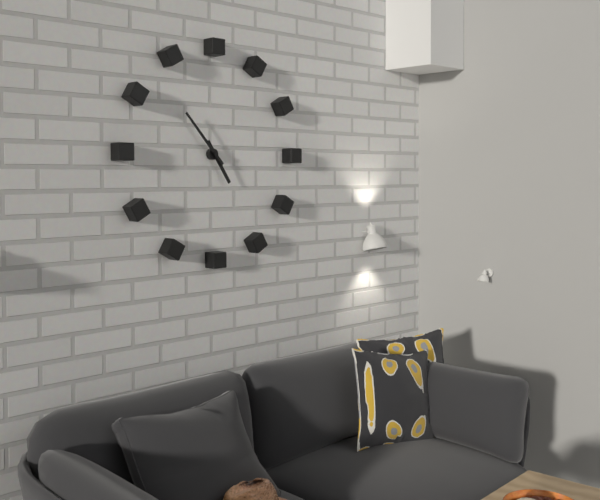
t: 4:53
